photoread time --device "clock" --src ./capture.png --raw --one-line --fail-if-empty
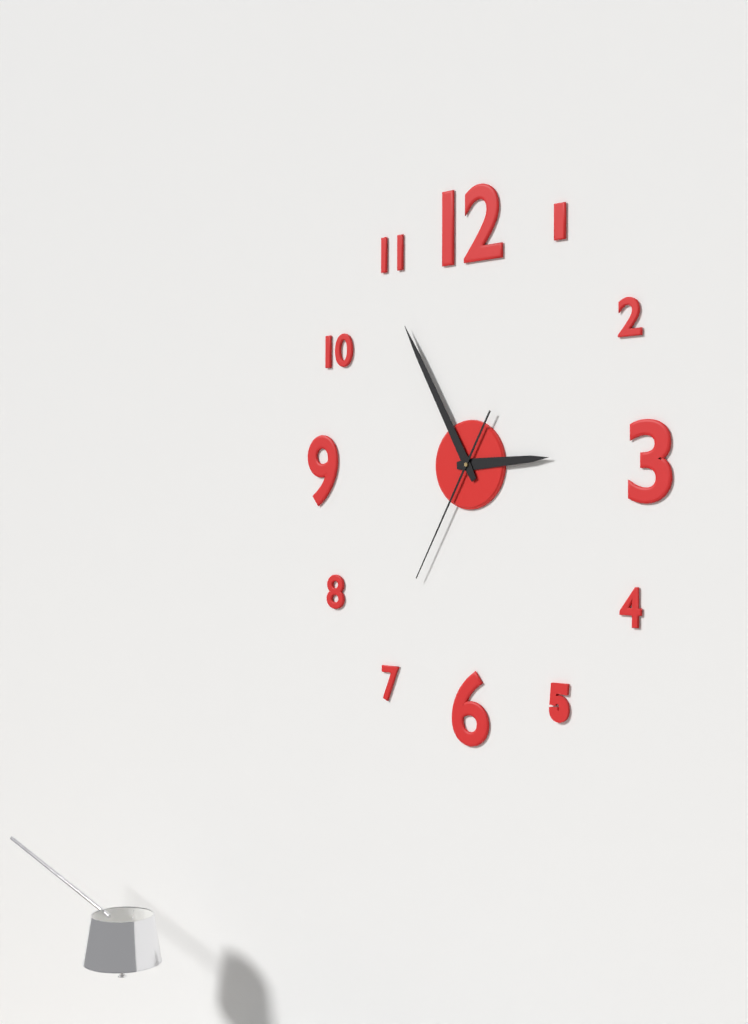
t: 2:55:35
